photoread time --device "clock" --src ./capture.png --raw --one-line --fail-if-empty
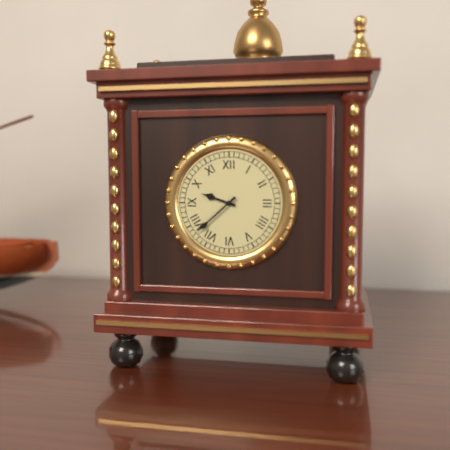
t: 9:38
